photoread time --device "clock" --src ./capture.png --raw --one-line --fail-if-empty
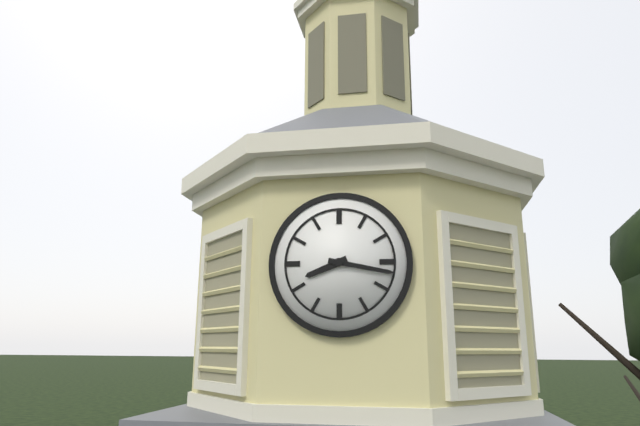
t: 8:17
